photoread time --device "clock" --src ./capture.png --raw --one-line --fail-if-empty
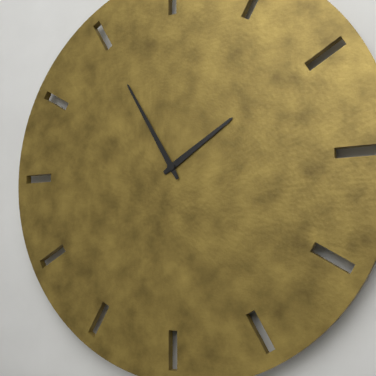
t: 1:55
